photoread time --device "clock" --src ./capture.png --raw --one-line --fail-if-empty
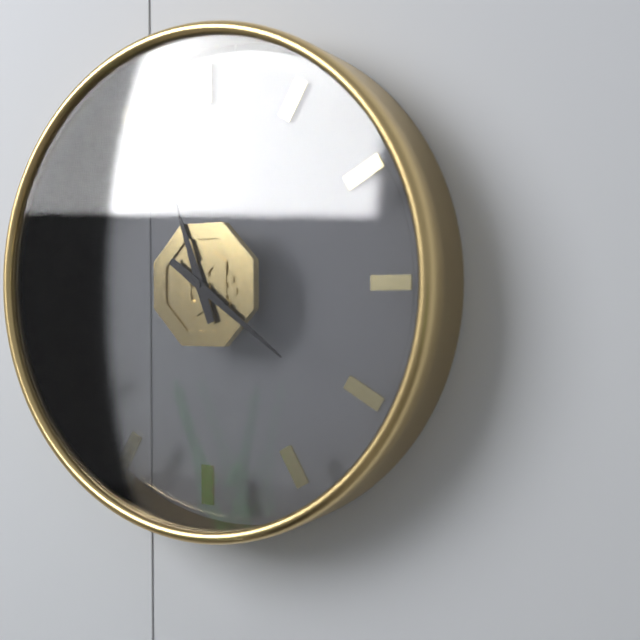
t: 11:21
